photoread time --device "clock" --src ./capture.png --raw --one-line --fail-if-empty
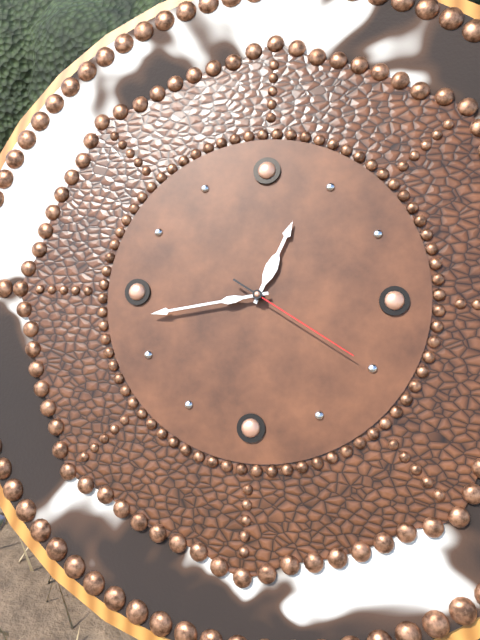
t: 12:43:20
